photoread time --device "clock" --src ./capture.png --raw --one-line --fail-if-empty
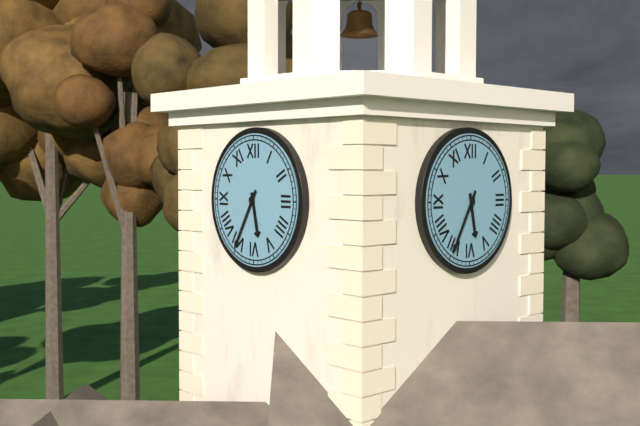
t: 5:35
